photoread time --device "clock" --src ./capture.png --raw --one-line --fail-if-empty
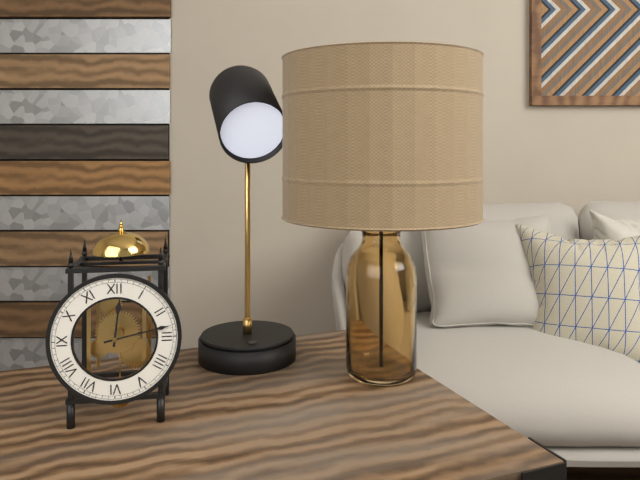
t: 12:13
